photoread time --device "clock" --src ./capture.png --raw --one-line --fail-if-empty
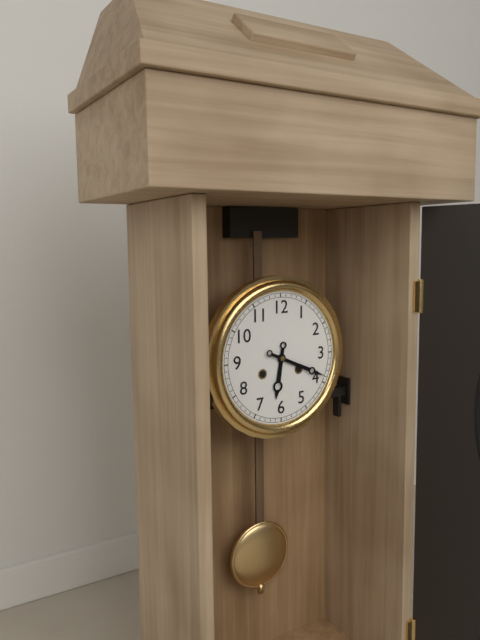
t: 6:19
